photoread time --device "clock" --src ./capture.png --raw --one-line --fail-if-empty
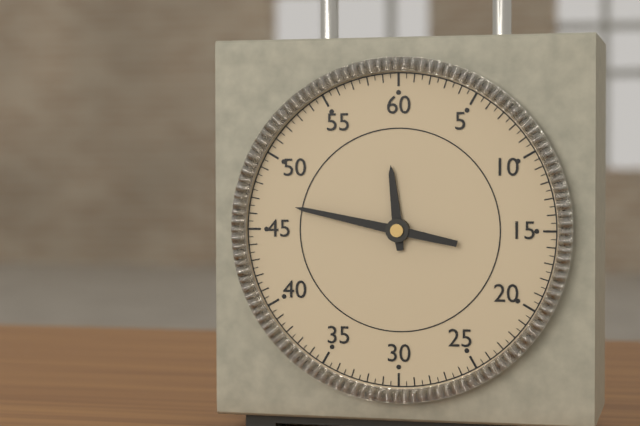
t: 11:47
